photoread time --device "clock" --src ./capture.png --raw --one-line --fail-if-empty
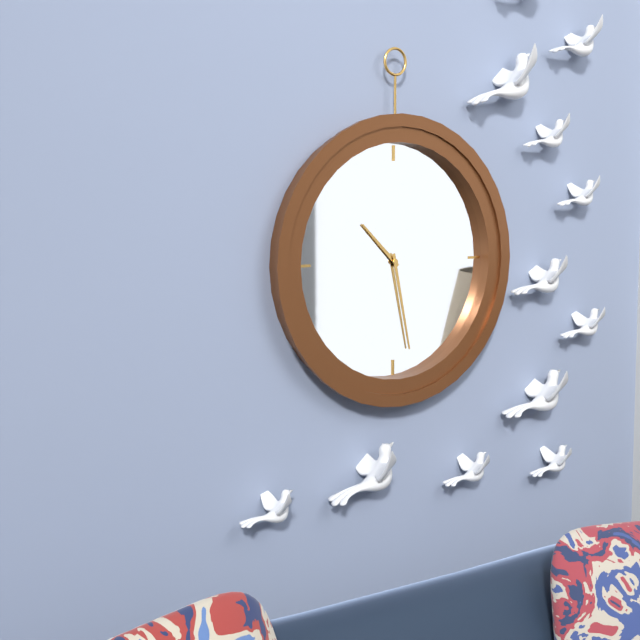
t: 10:28
